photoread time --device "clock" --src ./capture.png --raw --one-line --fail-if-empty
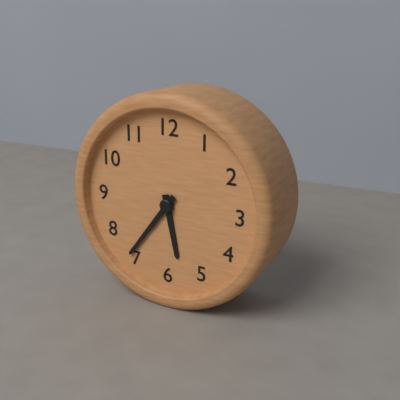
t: 5:36
